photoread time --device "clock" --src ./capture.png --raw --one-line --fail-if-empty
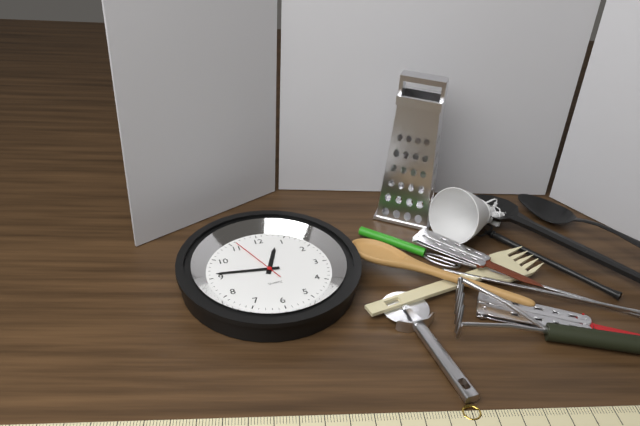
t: 12:46:56
